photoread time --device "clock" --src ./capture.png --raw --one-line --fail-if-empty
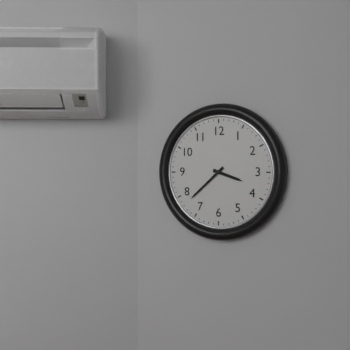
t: 3:38
